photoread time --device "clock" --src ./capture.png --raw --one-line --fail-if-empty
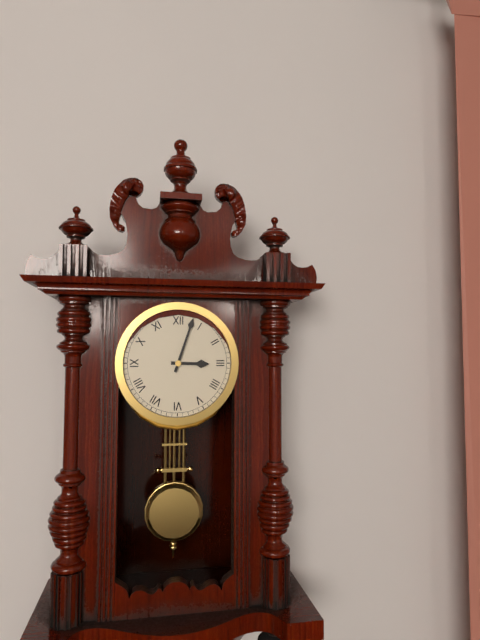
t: 3:03
